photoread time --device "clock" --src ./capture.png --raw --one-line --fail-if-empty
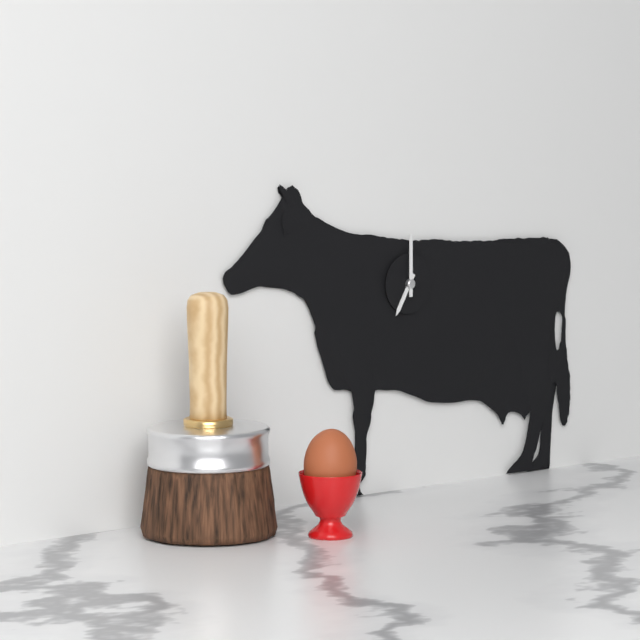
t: 7:00
